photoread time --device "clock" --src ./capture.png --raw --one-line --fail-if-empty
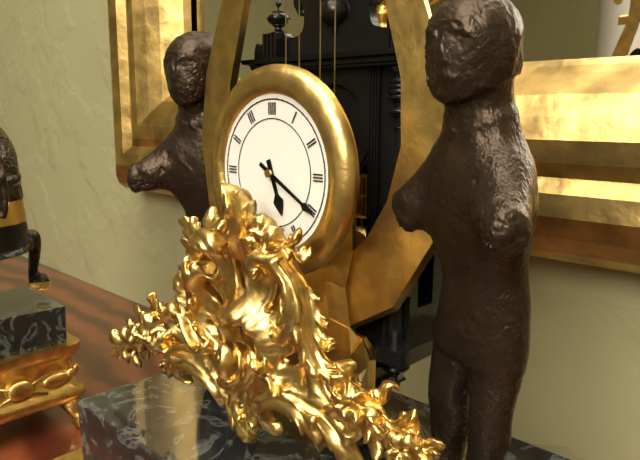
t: 5:20
